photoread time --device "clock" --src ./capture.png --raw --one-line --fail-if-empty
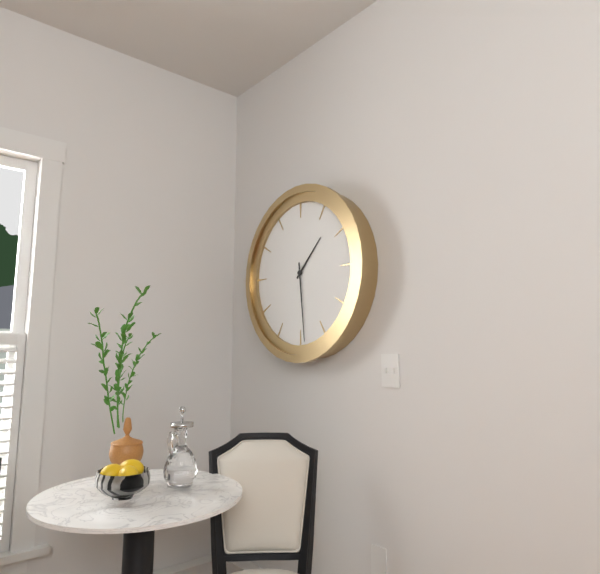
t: 1:29
